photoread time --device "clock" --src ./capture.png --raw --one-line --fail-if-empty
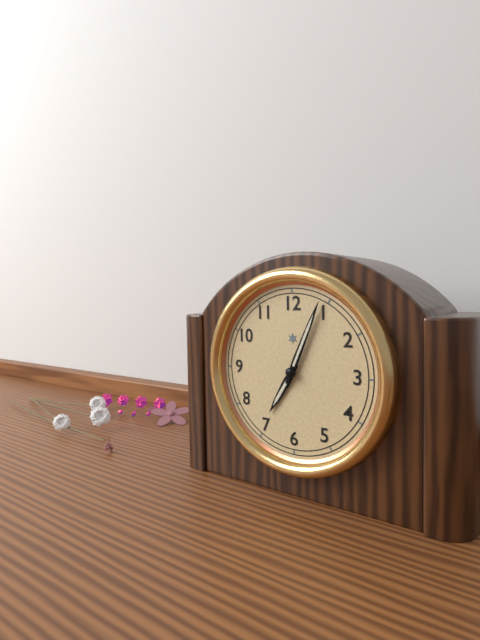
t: 7:04
